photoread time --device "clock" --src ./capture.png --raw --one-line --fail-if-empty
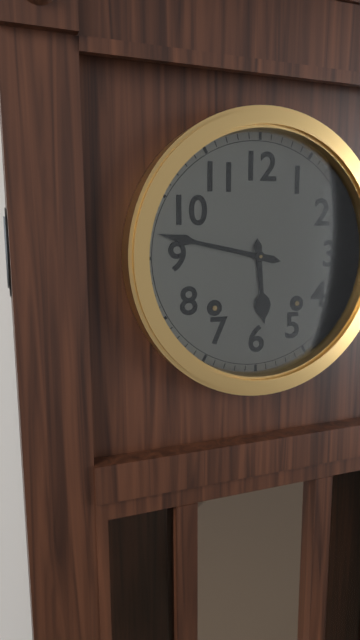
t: 5:47
